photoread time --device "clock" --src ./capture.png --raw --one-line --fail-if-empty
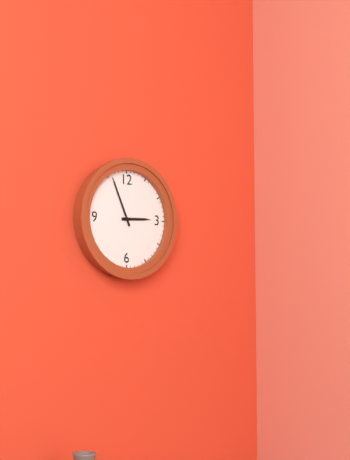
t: 2:56
